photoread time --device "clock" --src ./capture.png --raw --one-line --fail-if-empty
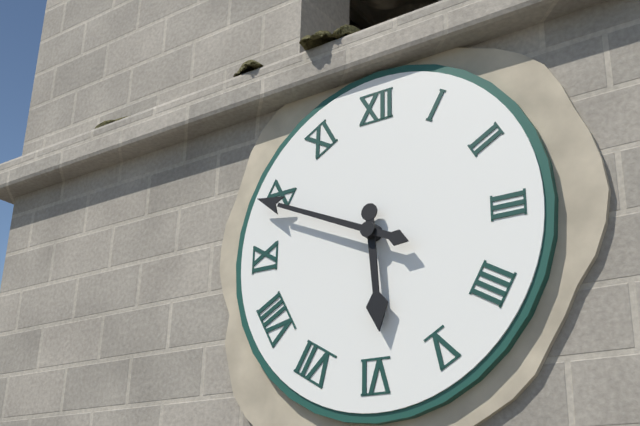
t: 5:49
